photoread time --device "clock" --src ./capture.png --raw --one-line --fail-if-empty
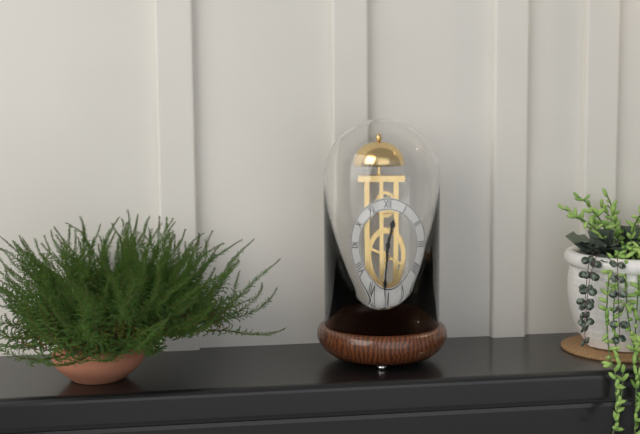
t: 12:31
